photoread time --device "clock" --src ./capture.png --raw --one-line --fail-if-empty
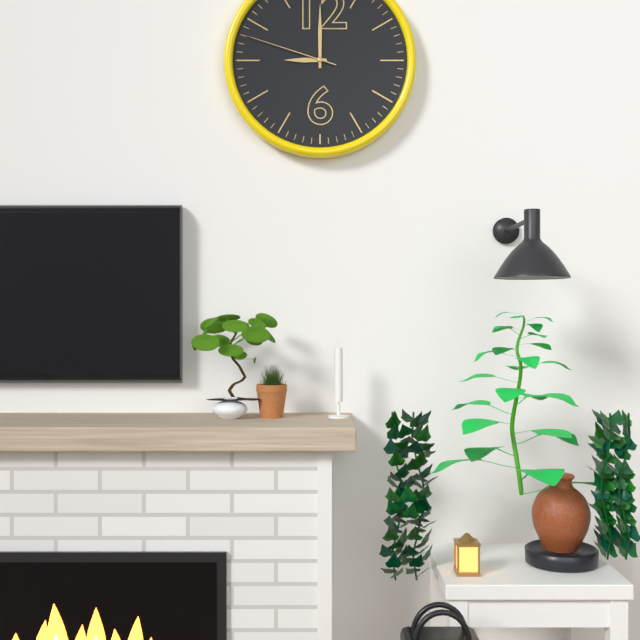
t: 9:00:48
